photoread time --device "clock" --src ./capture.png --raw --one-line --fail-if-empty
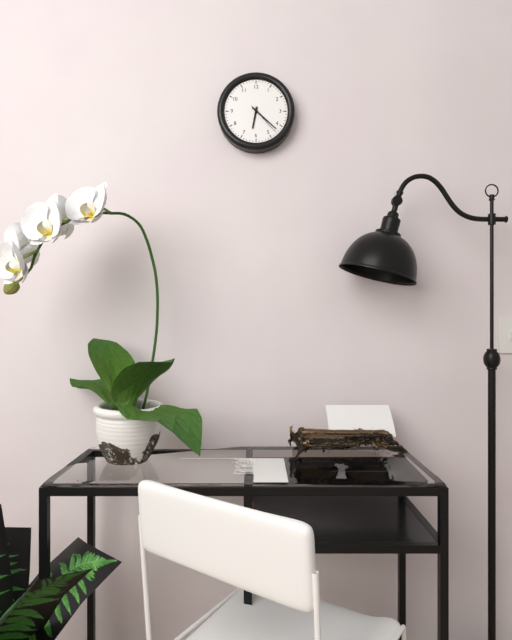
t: 6:22
